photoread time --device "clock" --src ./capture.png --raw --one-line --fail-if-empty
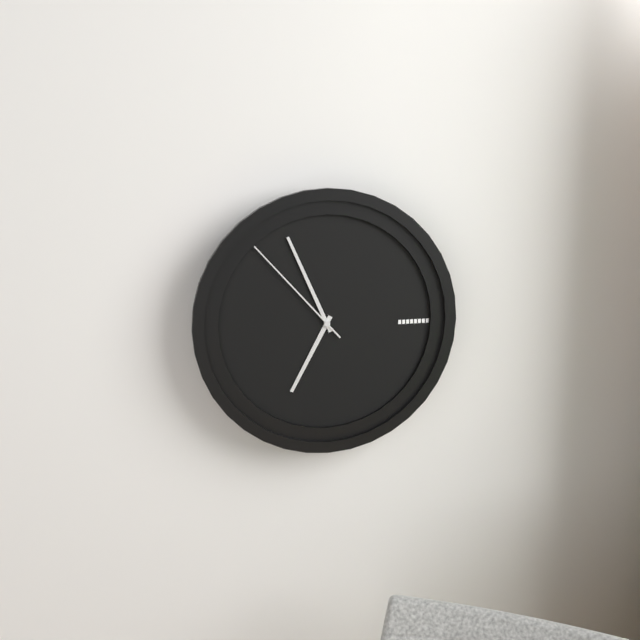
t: 6:56:53
